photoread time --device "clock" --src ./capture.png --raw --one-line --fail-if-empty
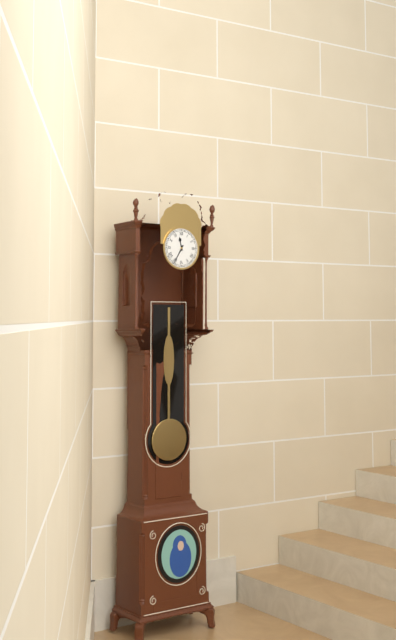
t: 11:35
